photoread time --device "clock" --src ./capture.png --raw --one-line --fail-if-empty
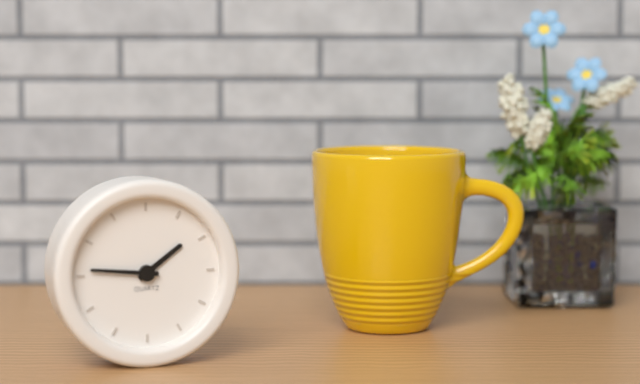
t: 1:46
